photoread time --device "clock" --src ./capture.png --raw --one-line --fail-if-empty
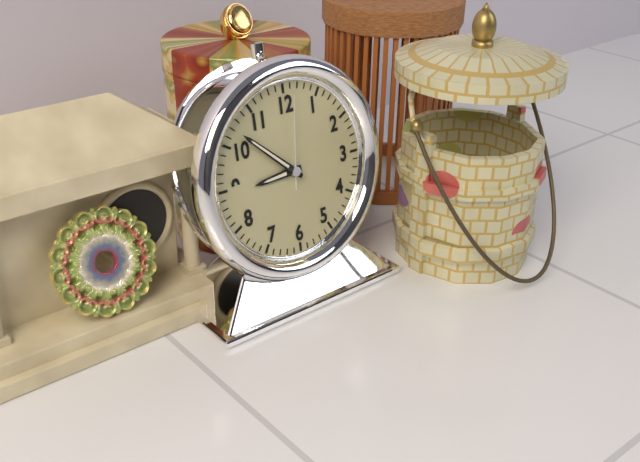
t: 8:52:01
